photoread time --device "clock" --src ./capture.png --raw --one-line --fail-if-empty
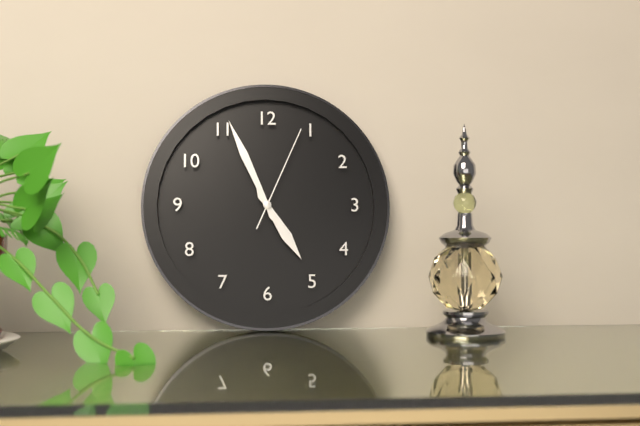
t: 4:56:04
